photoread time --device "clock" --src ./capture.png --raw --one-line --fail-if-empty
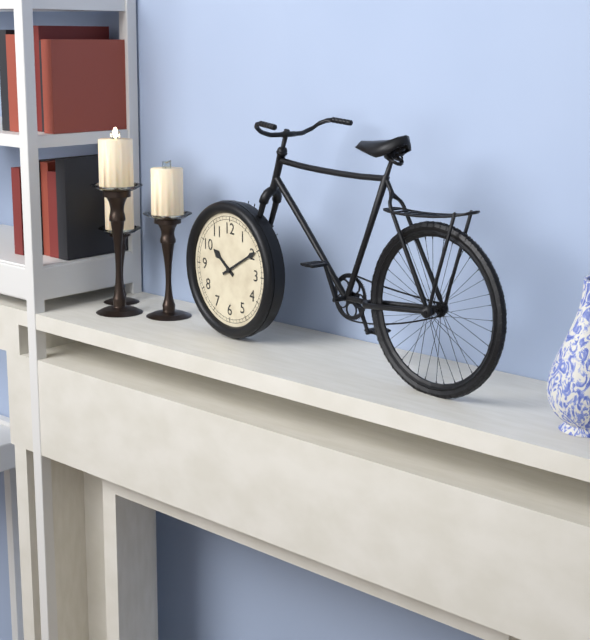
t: 10:10
